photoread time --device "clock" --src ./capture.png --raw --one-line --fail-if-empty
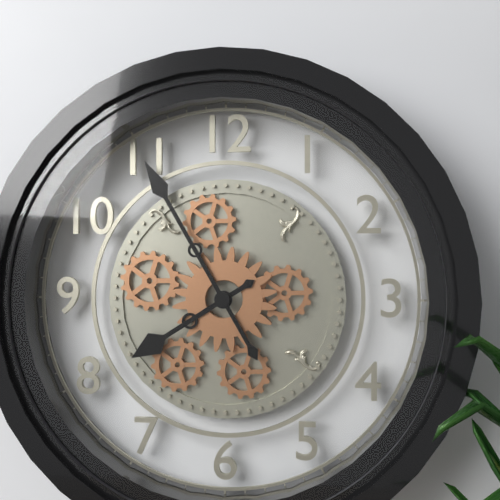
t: 7:55
